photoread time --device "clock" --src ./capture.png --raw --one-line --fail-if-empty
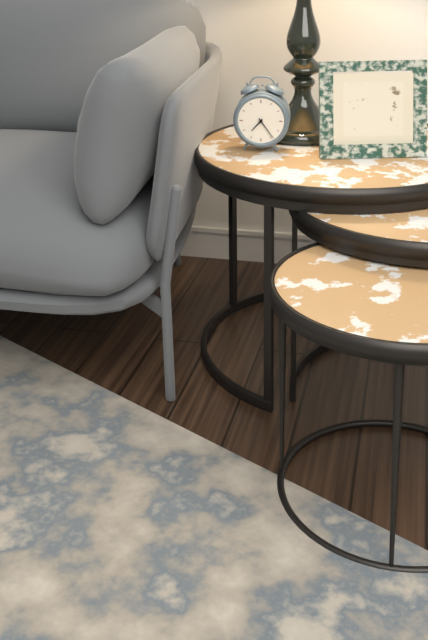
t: 7:24
